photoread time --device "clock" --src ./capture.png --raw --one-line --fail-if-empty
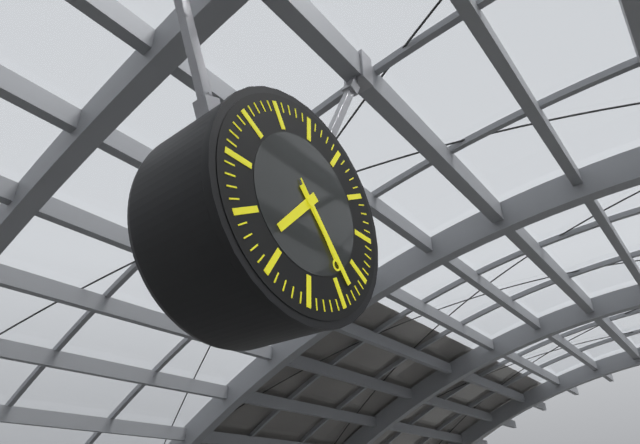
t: 7:23:24
